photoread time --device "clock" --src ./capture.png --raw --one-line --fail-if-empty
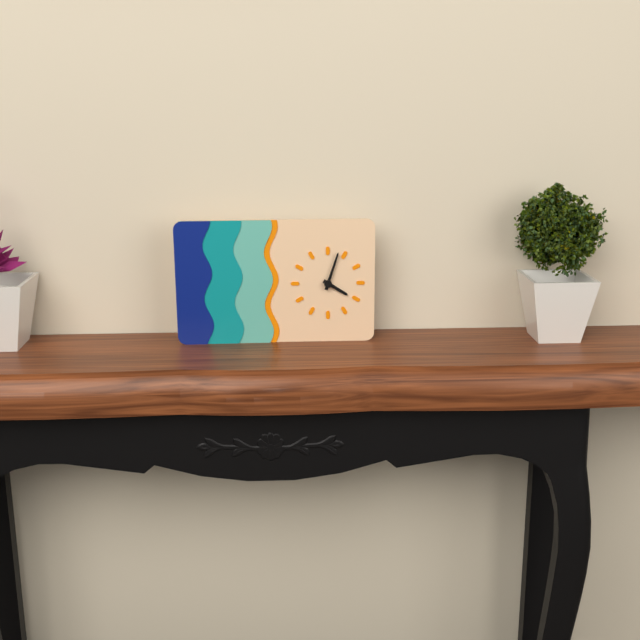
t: 4:03
